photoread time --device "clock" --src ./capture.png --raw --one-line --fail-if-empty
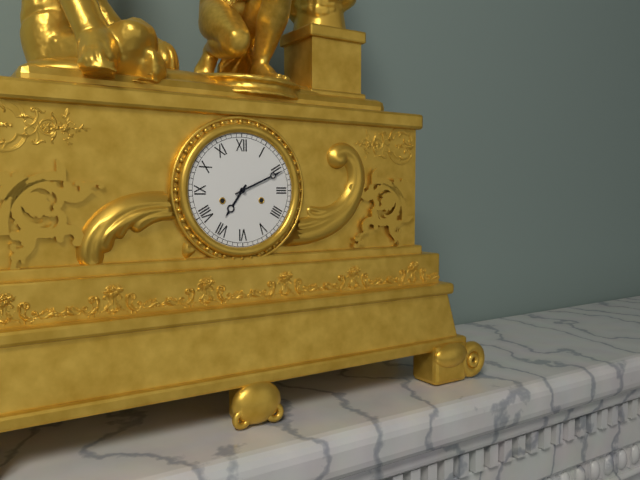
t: 7:11
